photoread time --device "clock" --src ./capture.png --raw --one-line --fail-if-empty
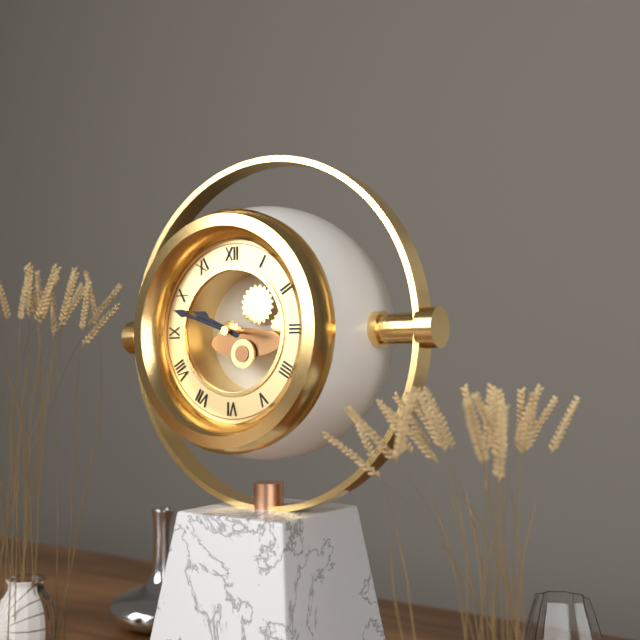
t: 9:48
